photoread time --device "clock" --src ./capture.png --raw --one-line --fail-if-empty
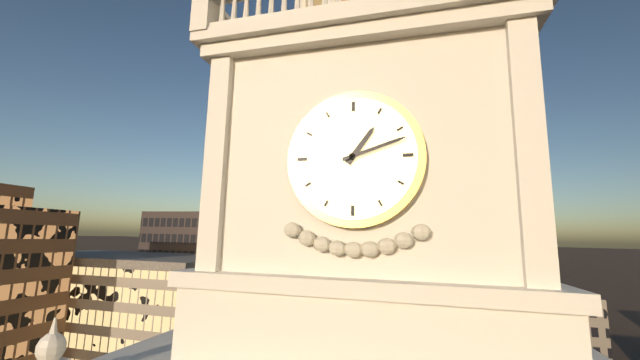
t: 1:12
